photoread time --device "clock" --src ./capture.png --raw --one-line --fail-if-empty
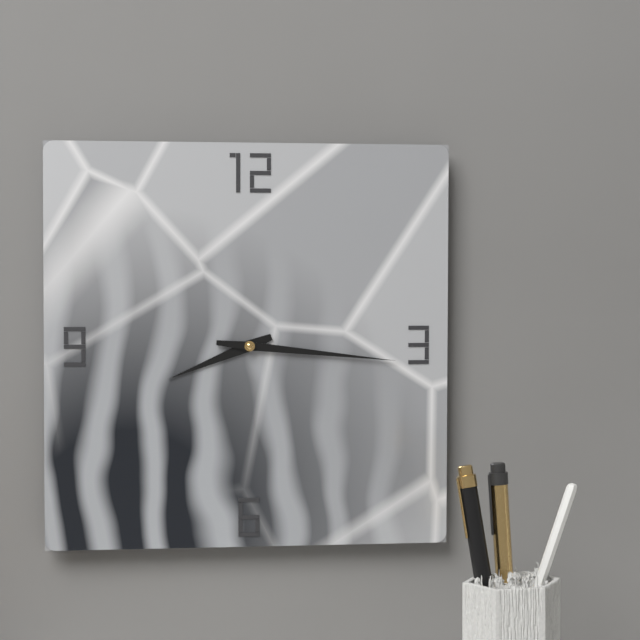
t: 8:16
